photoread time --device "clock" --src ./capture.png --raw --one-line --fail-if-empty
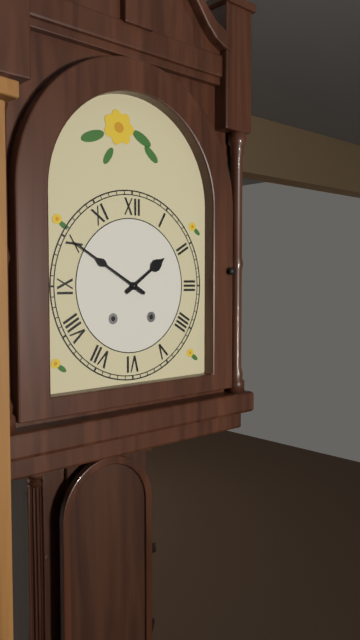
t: 1:50
